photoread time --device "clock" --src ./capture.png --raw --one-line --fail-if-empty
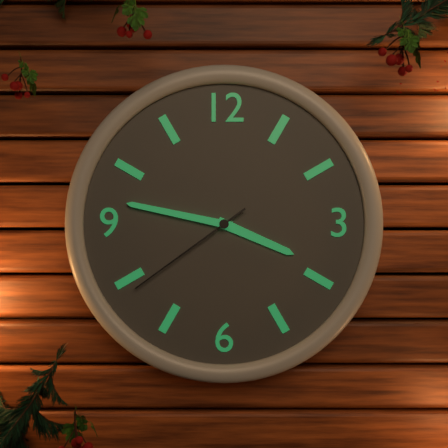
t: 3:47:39
